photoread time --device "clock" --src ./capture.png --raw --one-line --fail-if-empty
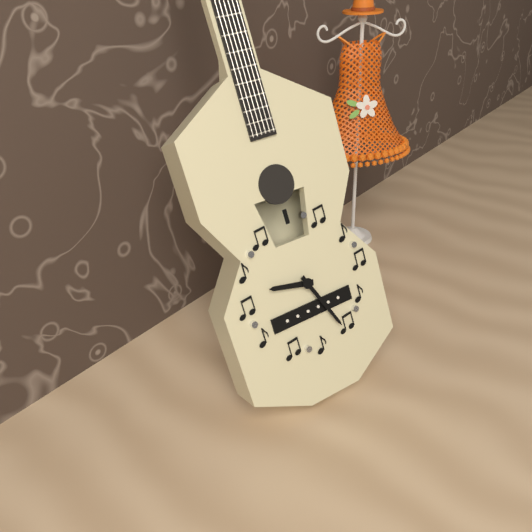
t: 9:26
